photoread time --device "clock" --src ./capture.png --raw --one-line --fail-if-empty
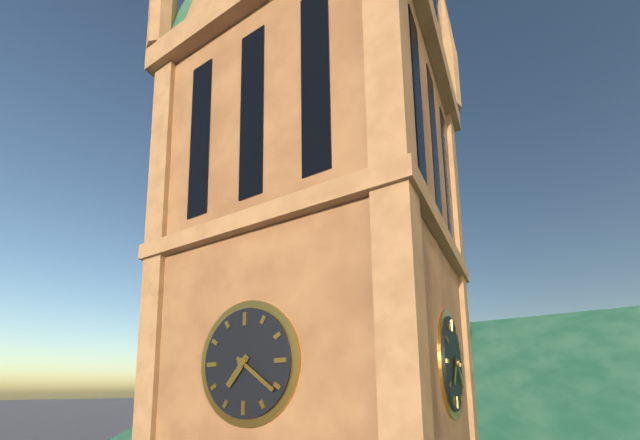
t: 7:21
